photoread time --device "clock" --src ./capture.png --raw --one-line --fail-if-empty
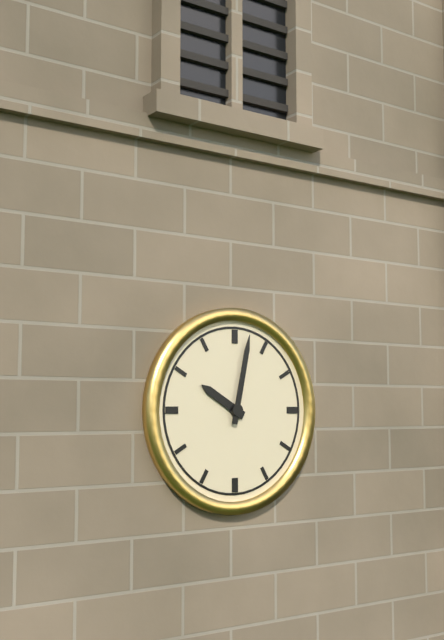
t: 10:02
